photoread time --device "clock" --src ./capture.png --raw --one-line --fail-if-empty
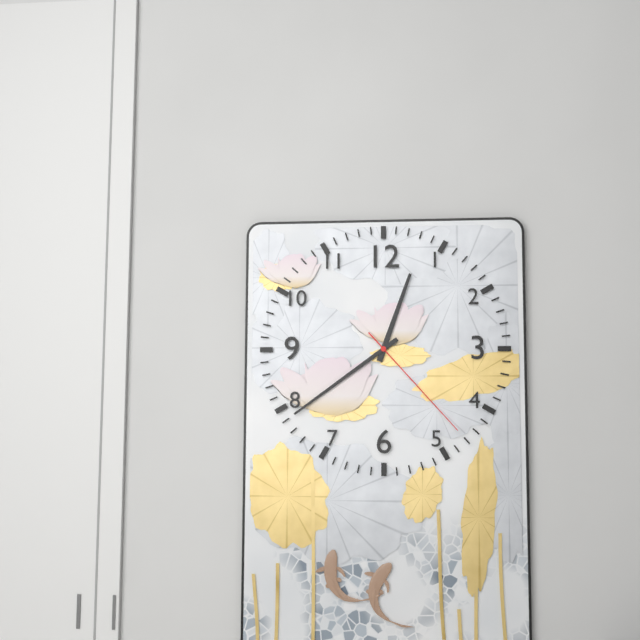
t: 12:39:23
